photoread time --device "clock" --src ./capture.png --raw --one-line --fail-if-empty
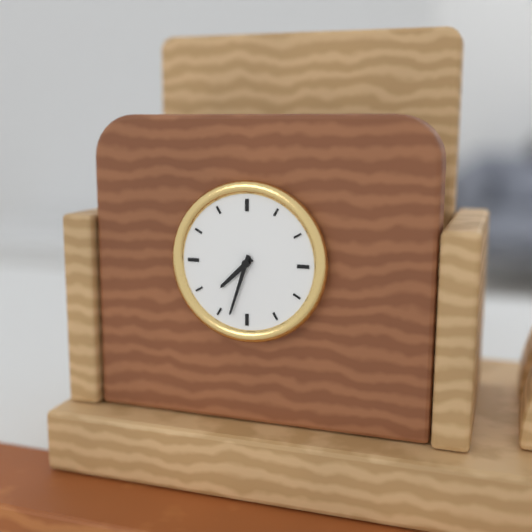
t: 7:33
